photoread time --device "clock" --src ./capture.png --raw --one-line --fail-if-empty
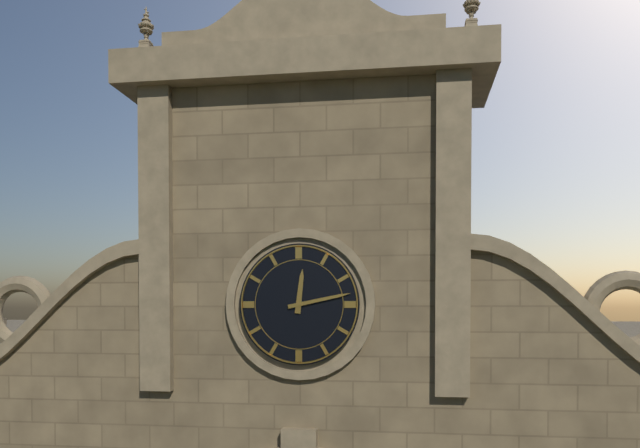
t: 12:13
